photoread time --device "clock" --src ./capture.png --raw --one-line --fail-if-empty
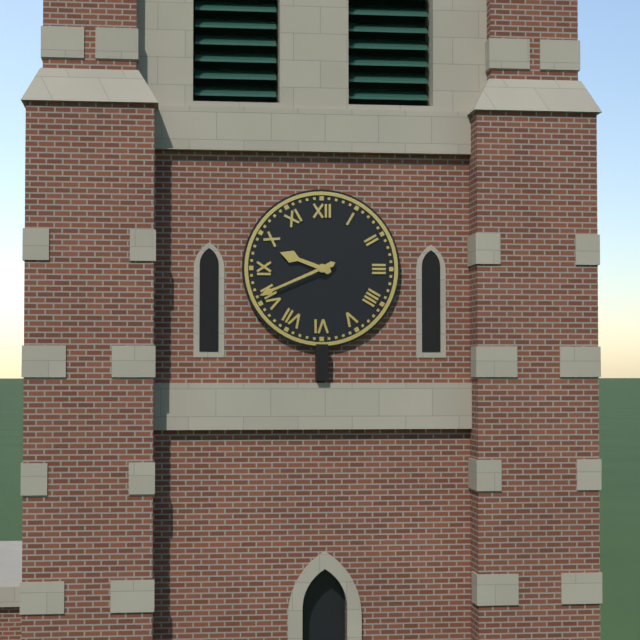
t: 9:41
